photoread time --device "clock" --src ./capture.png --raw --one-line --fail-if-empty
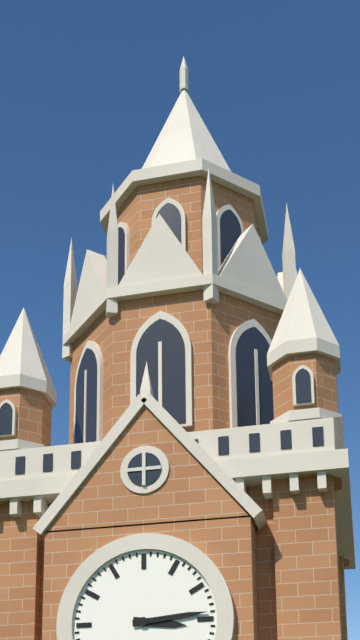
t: 3:14
